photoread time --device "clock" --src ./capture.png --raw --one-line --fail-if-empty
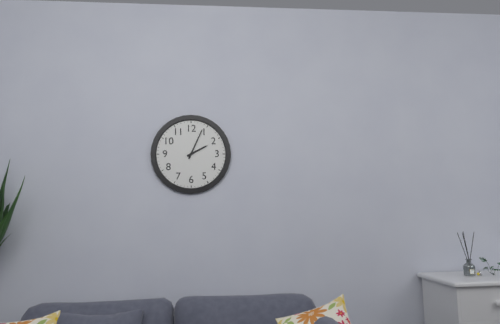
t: 2:04
